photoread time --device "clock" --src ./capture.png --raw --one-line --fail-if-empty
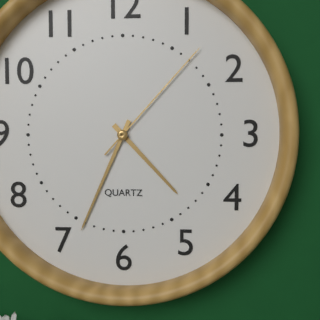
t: 4:34:07
